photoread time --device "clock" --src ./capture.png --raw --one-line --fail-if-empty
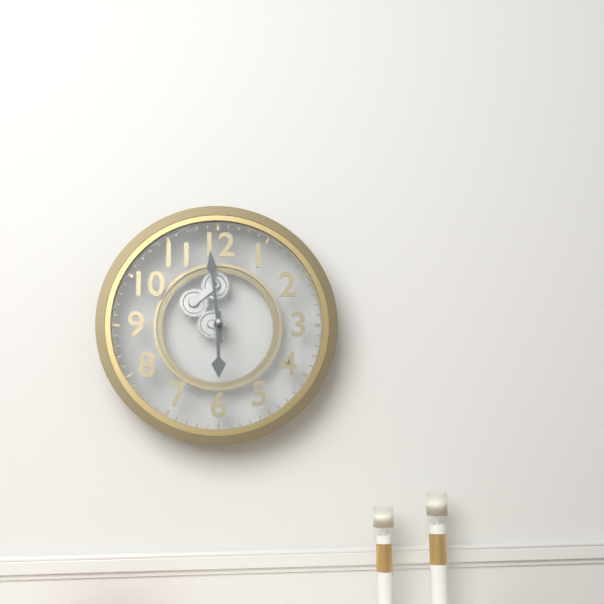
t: 5:59
